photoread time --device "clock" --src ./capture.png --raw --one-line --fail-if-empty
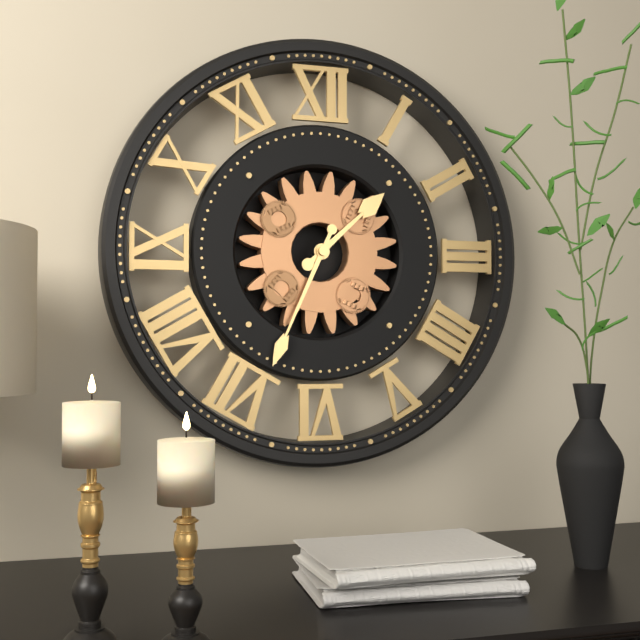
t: 1:34
